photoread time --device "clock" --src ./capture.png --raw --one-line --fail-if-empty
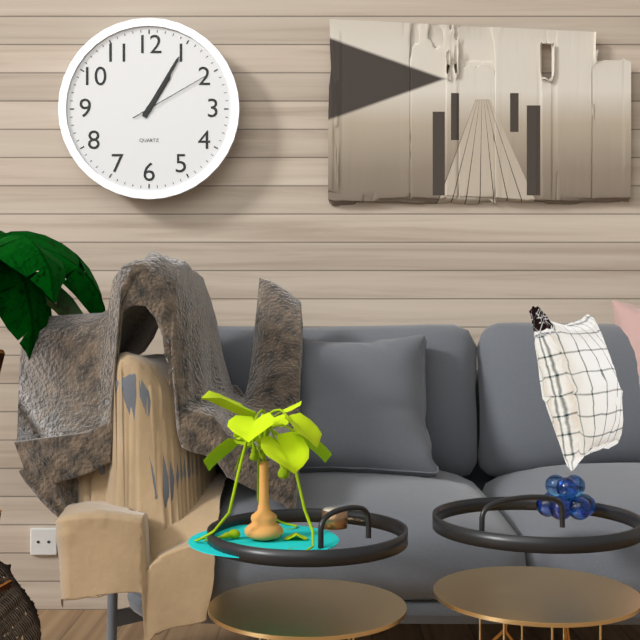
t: 1:05:10
